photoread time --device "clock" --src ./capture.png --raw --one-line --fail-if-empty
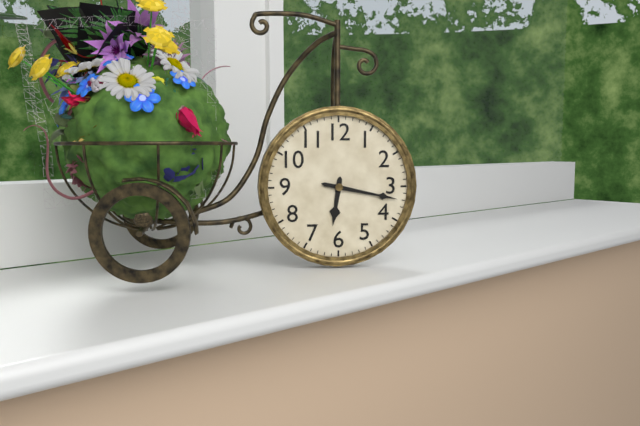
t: 6:17
